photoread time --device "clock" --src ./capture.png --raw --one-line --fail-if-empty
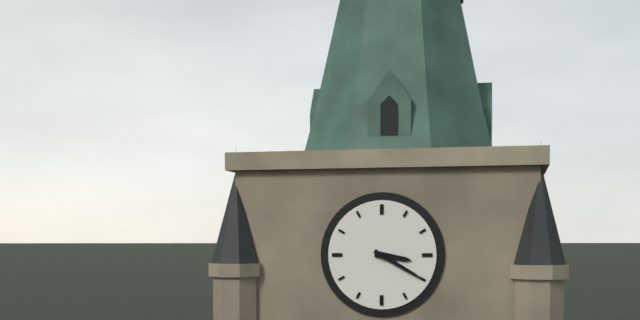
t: 3:20
